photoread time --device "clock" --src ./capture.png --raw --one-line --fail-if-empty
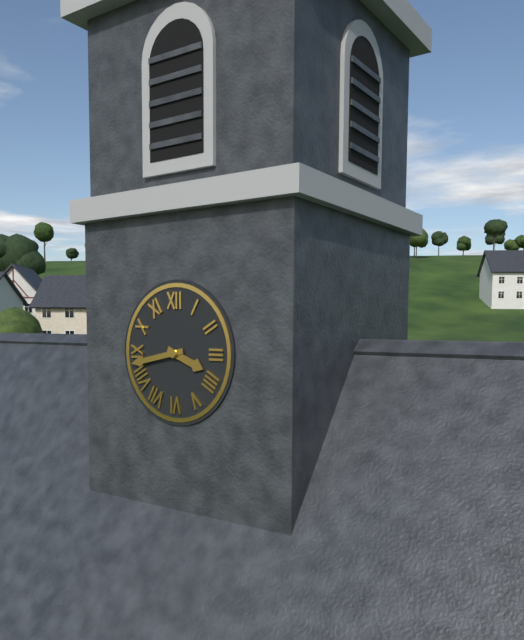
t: 3:43
